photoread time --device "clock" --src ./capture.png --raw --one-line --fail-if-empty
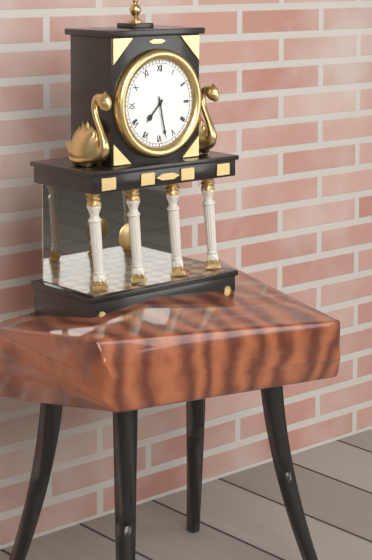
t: 7:28
